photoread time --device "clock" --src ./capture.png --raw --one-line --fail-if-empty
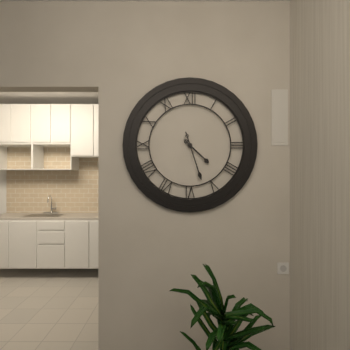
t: 4:27
